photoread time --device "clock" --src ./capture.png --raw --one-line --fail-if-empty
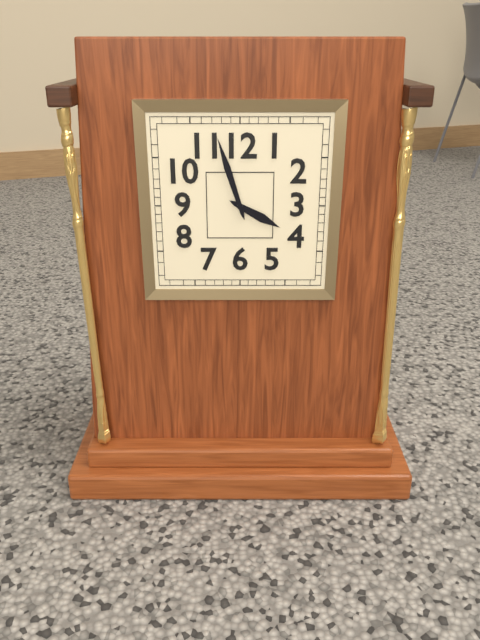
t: 3:57
